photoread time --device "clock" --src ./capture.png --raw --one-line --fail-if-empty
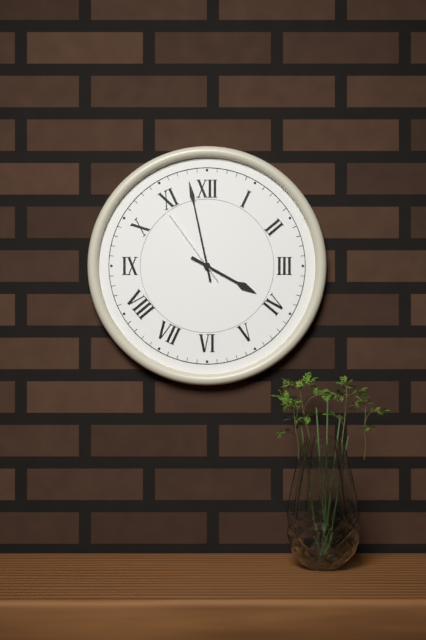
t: 3:58:54
